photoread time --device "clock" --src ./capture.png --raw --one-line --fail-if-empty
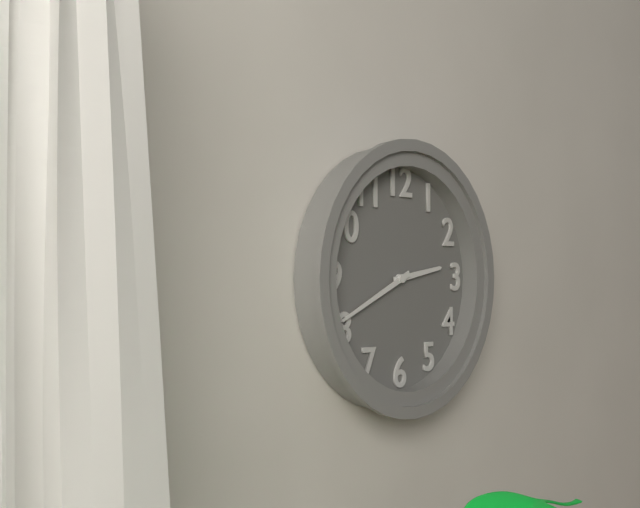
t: 2:41
